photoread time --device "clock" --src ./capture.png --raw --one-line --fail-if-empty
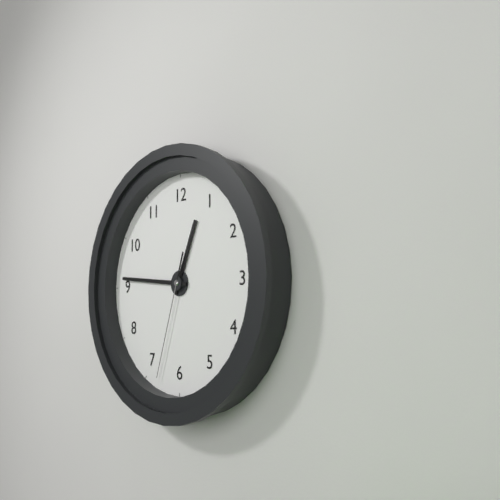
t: 12:46:33
